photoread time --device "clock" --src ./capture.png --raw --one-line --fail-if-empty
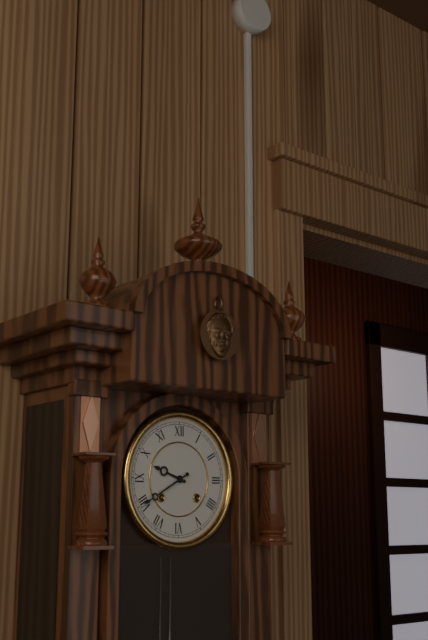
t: 9:40
